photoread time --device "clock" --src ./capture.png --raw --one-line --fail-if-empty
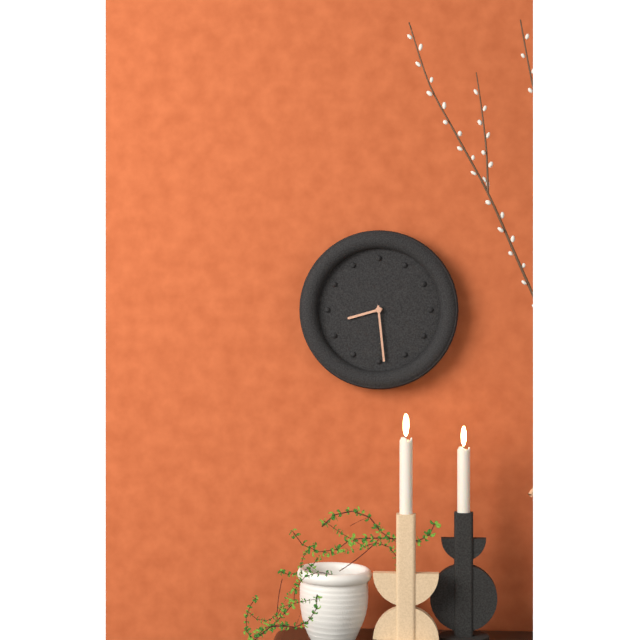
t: 8:29
